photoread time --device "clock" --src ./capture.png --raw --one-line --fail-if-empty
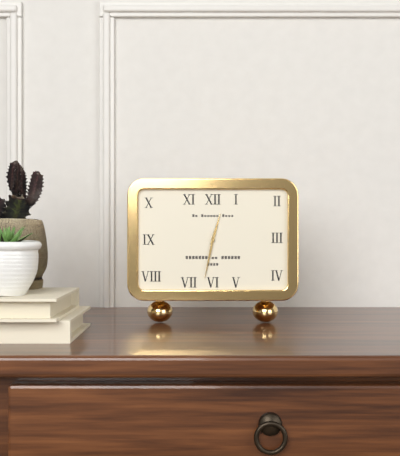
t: 12:32
